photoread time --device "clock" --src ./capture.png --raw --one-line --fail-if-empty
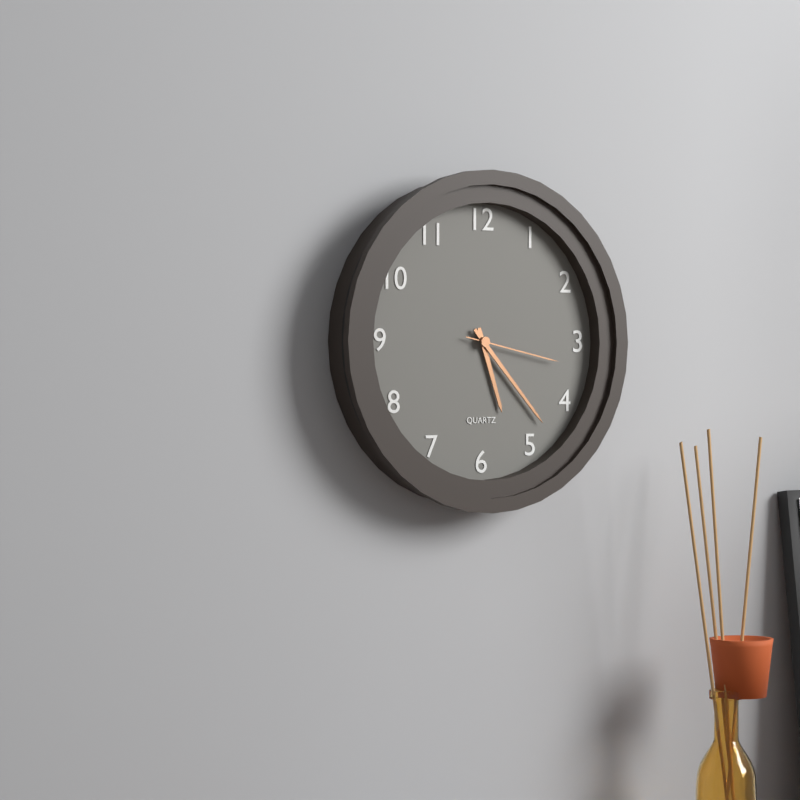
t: 5:23:17
